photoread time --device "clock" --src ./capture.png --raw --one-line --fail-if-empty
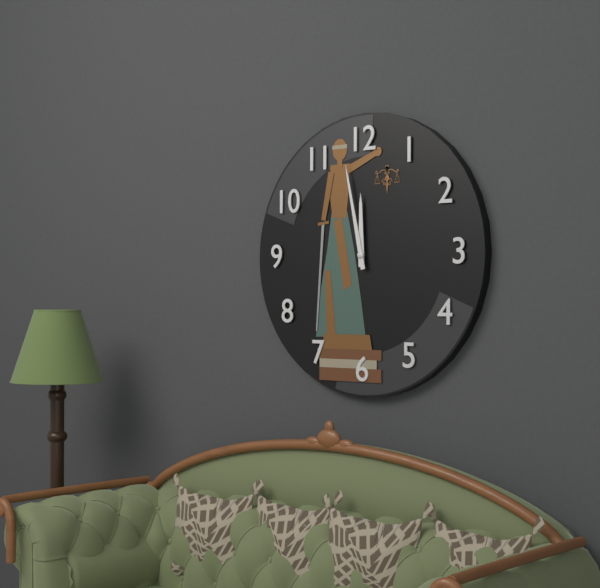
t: 11:58
